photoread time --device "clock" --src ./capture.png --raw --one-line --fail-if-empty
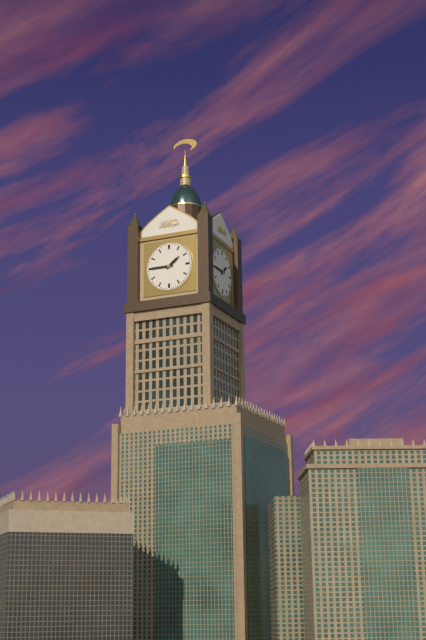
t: 1:45
